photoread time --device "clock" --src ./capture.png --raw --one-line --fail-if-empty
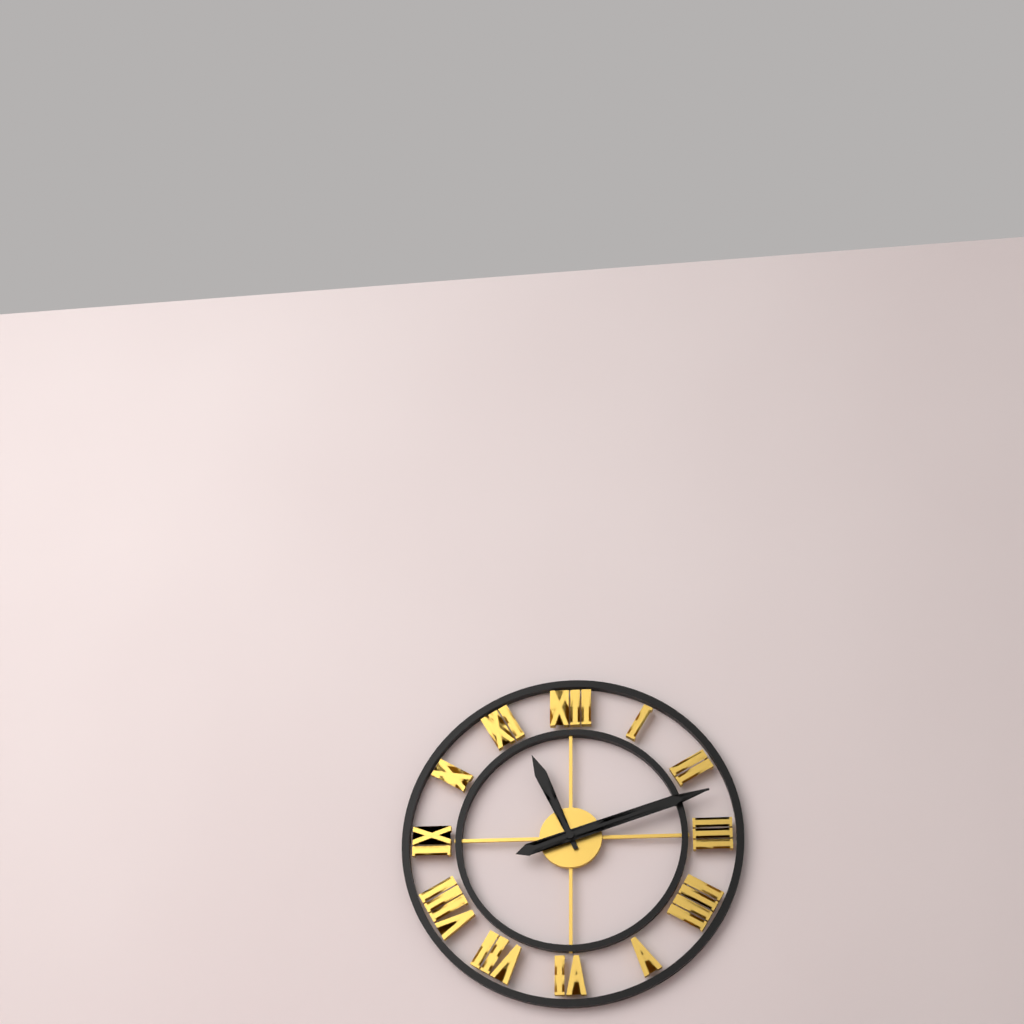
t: 11:12
